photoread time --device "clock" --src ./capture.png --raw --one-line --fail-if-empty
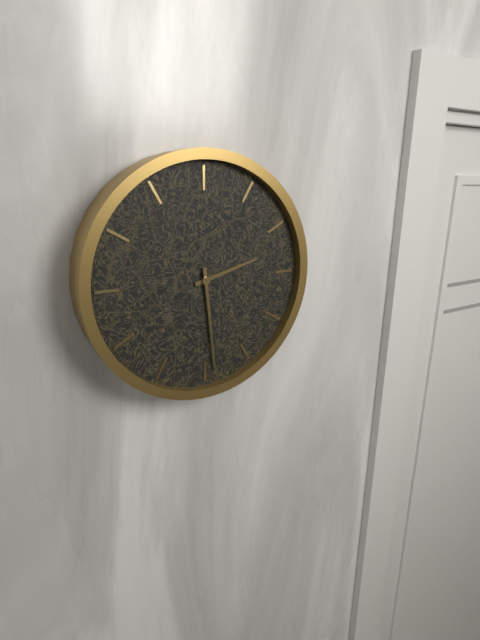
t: 2:29
